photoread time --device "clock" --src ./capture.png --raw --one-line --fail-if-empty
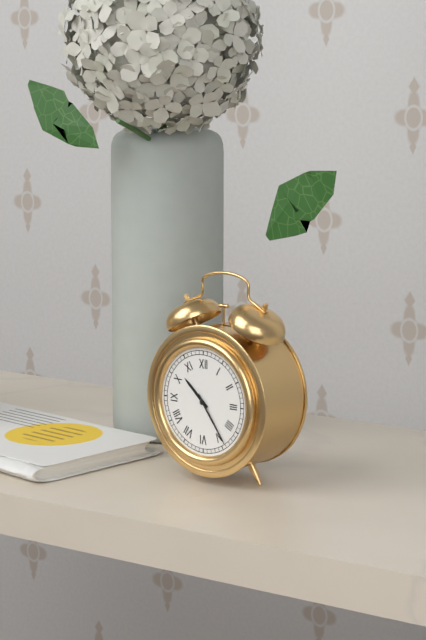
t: 10:24
